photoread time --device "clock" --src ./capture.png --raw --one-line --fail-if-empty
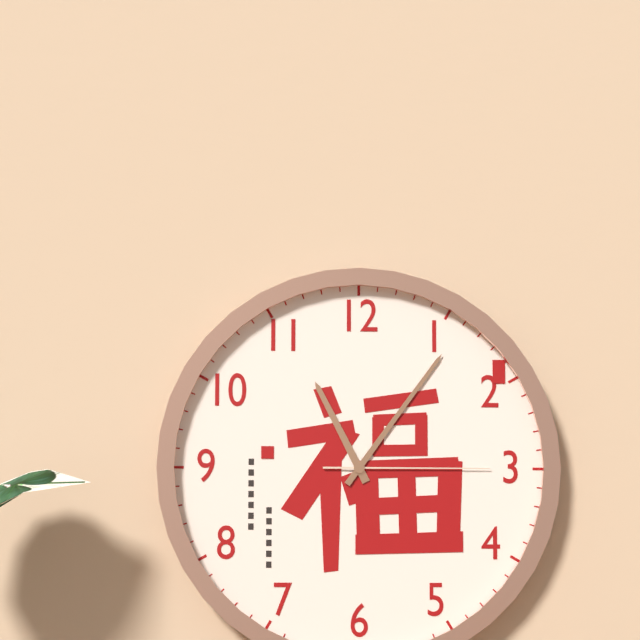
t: 11:06:15
